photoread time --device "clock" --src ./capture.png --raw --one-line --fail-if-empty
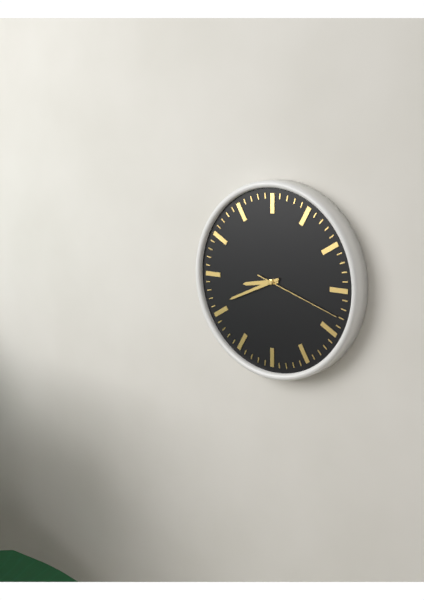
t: 8:41:18
